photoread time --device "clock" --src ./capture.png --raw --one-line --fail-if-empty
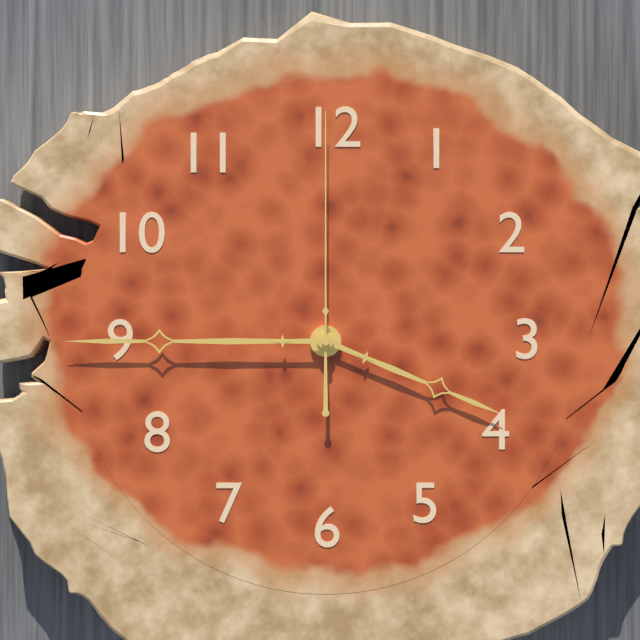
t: 3:45:00
